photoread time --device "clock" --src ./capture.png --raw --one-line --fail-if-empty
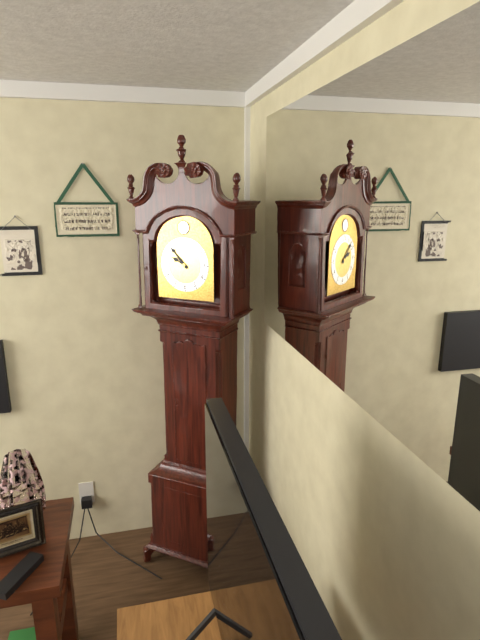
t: 9:53
